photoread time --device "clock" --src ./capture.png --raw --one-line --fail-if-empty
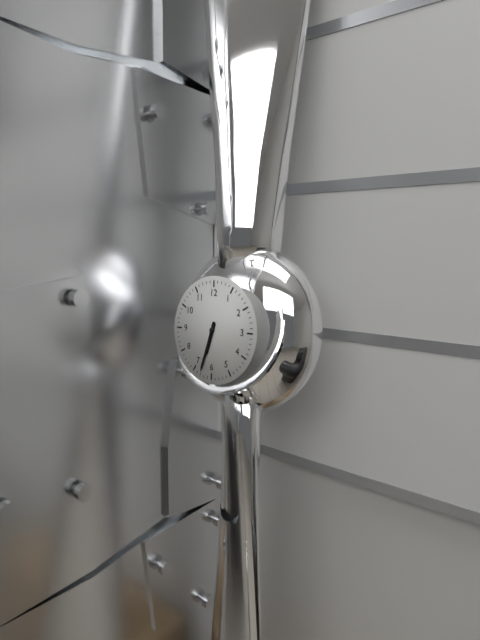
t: 6:33
